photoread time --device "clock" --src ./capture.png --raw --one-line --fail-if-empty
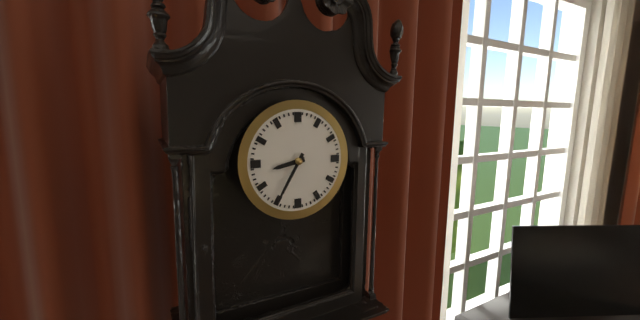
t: 8:35
